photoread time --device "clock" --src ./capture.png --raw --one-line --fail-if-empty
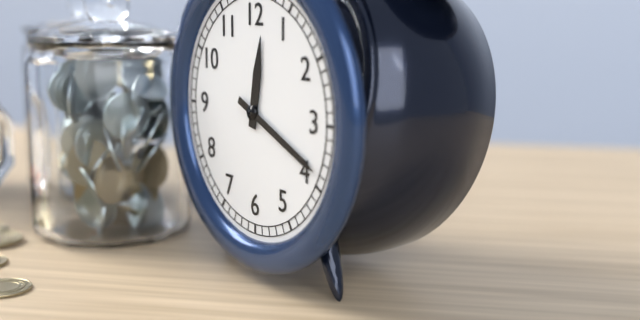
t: 12:19
